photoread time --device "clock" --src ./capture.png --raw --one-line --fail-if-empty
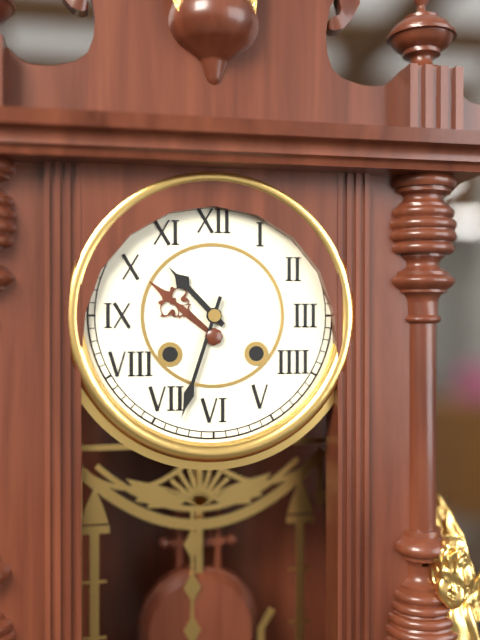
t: 10:33
